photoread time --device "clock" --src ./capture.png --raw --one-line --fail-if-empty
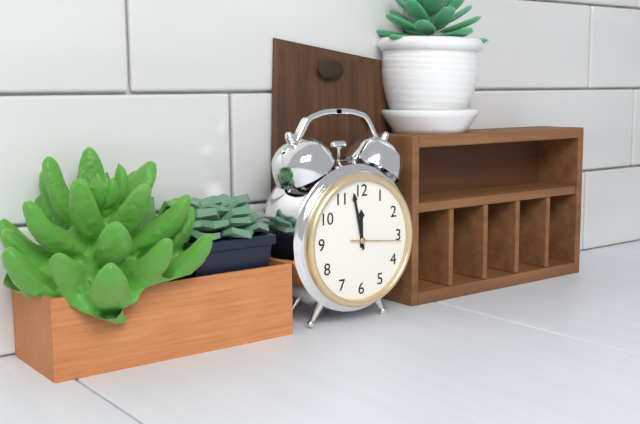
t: 11:58:16
